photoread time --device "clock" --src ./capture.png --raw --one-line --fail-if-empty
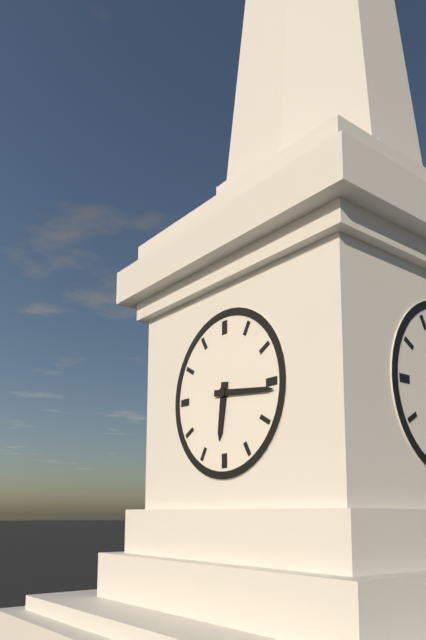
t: 6:16
